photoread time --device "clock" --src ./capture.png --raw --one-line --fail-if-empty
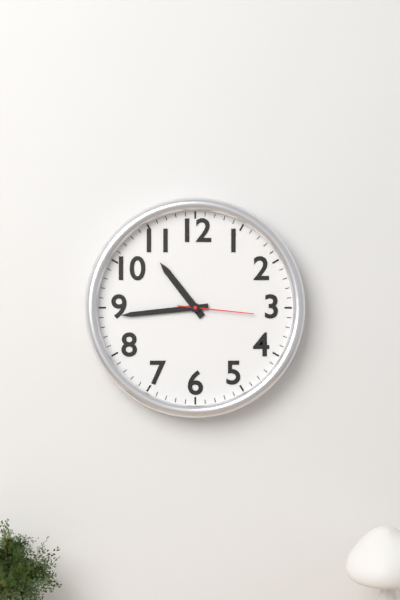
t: 10:44:16
